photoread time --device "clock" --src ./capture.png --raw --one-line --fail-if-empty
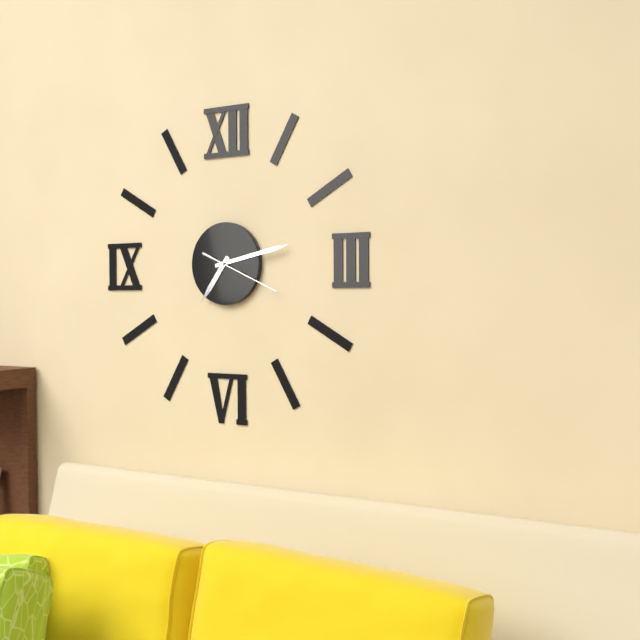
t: 7:13:19
